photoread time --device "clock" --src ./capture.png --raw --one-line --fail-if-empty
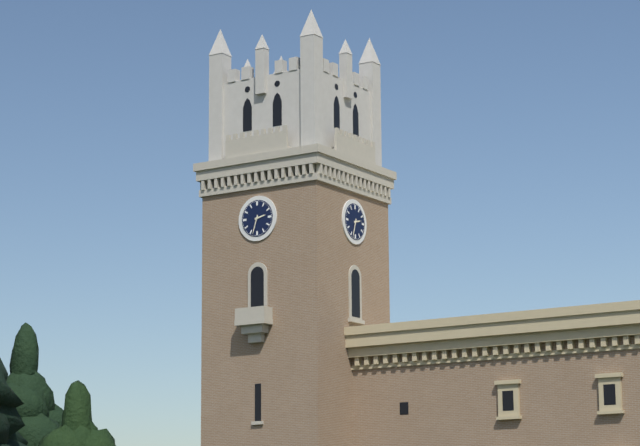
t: 2:33
